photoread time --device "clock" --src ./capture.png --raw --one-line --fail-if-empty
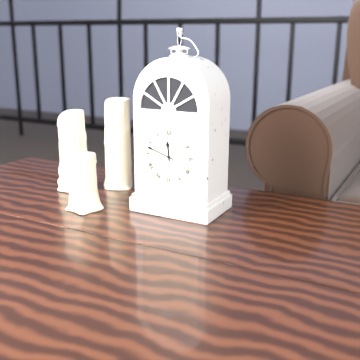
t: 11:48
